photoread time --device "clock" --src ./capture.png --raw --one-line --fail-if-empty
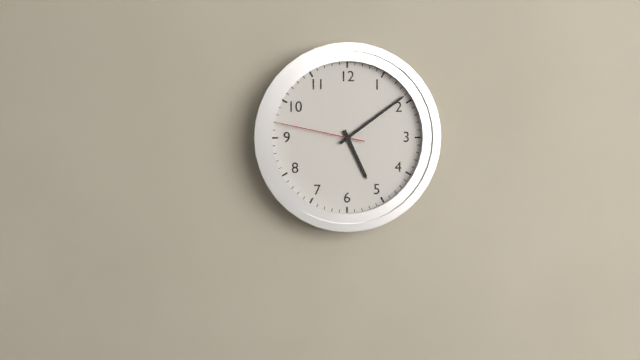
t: 5:09:47
